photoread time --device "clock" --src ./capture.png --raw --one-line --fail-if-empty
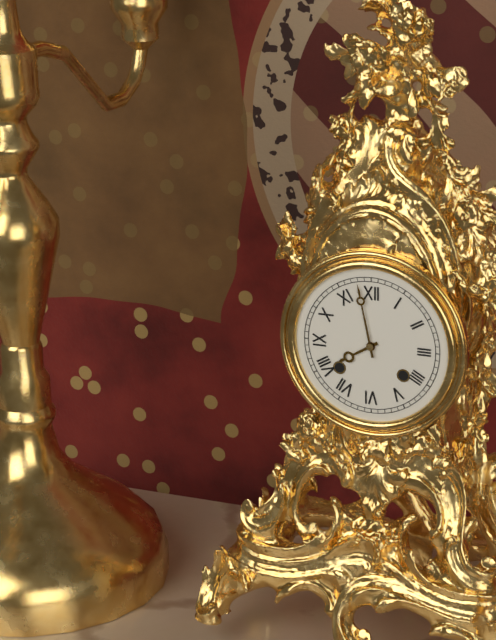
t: 7:58
